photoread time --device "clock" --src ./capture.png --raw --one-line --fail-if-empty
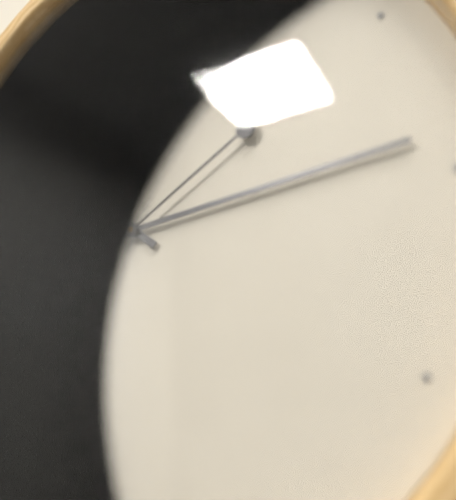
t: 10:14
